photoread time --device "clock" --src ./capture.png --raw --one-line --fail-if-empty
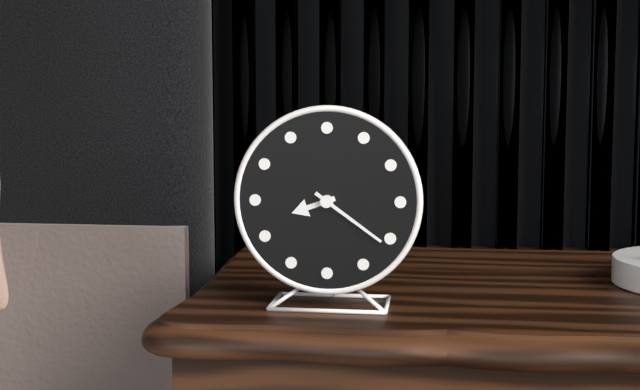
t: 8:21
